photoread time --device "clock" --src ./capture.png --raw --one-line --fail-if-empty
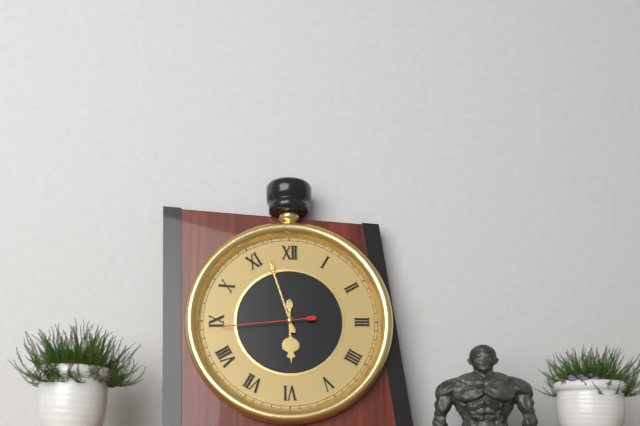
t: 5:57:44
